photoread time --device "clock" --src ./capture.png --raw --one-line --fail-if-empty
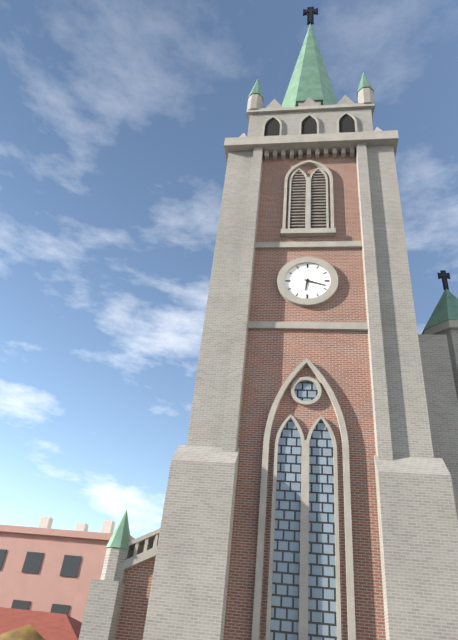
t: 6:18
